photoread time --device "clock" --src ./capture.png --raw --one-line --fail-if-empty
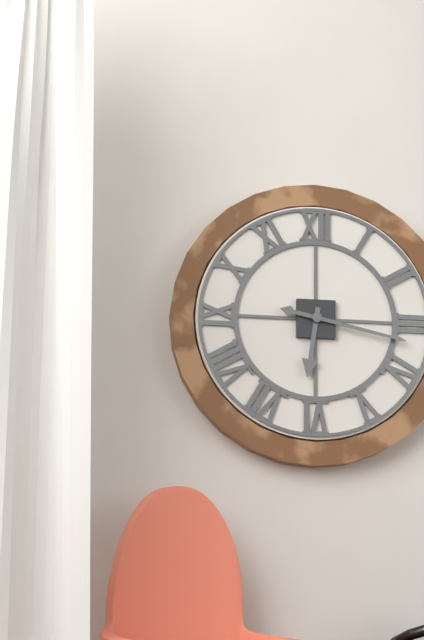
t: 6:17
